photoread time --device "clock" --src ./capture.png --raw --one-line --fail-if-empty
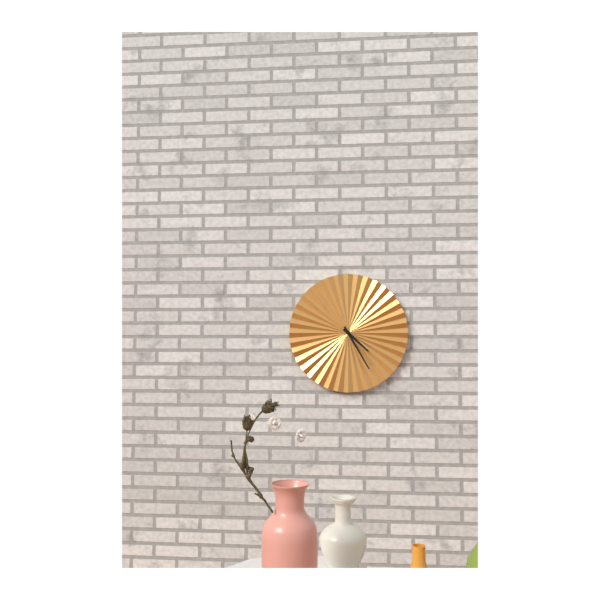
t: 4:25
